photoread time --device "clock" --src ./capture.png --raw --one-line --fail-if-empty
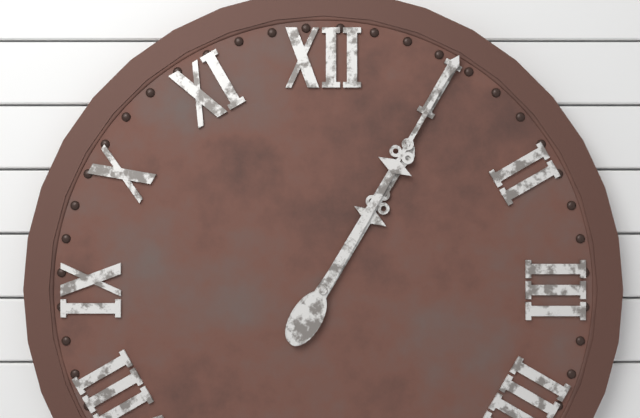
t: 1:05
